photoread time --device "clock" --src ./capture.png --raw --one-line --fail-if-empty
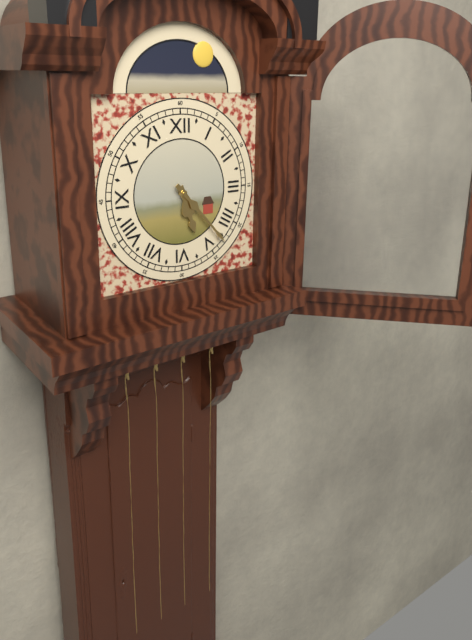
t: 5:23
